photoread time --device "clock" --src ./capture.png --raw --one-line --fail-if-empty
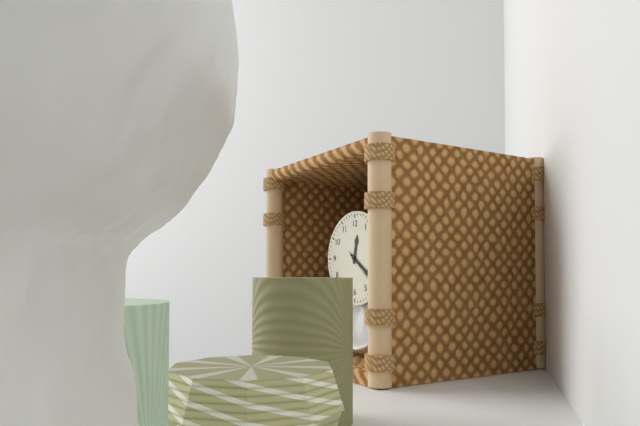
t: 12:21
